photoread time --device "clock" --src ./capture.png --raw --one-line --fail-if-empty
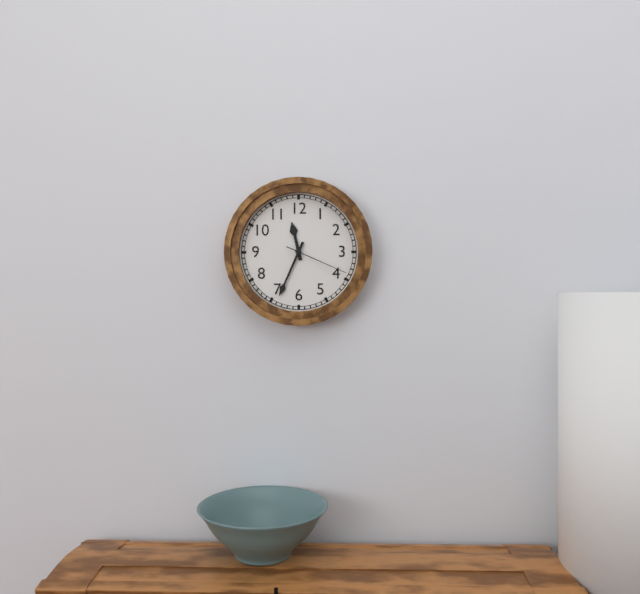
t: 11:34:19
